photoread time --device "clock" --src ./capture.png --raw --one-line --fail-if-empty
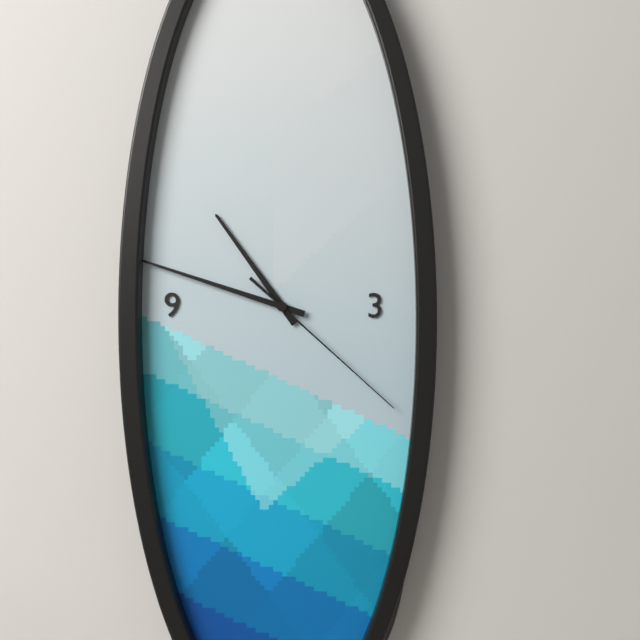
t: 10:48:22
